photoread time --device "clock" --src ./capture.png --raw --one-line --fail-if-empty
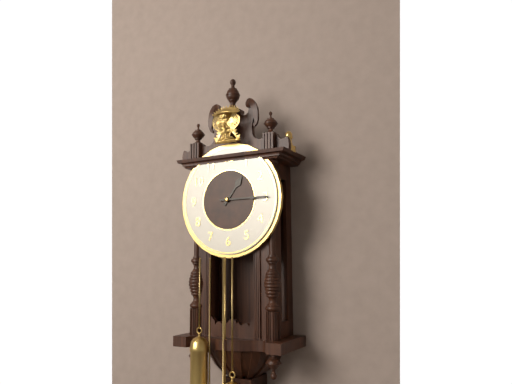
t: 1:15
